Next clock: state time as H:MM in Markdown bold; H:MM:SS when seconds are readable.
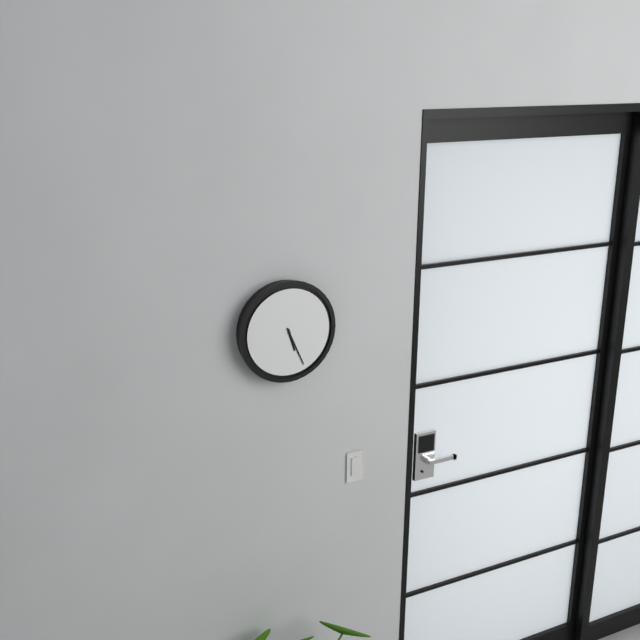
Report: **5:26**
